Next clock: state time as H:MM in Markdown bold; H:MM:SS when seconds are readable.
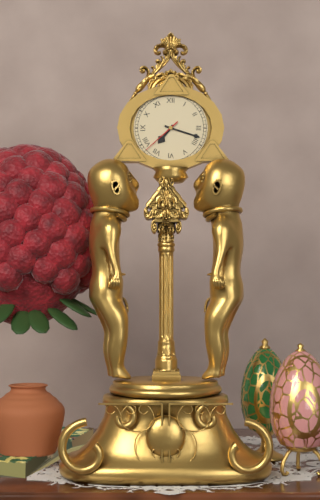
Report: **7:18**
